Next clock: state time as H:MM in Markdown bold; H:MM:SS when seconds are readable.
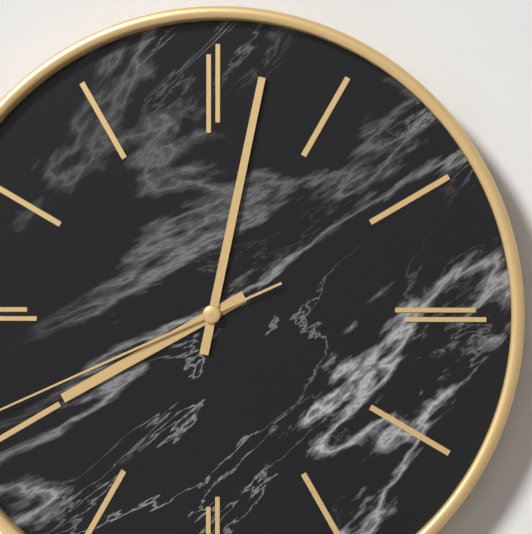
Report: **8:02**
